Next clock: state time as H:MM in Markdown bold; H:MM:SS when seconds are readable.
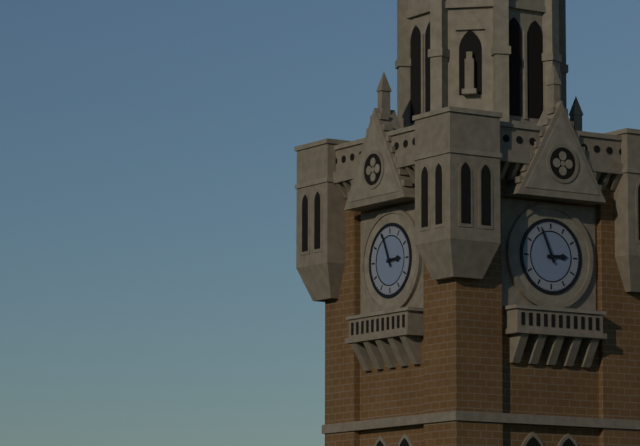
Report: **2:56**
